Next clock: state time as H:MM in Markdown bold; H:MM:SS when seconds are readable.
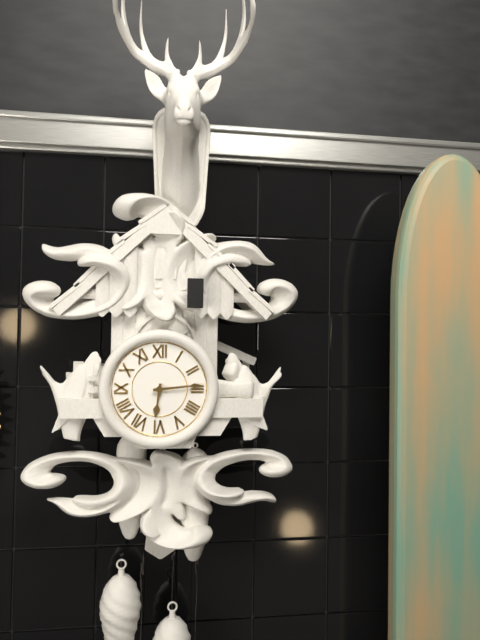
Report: **6:14**
